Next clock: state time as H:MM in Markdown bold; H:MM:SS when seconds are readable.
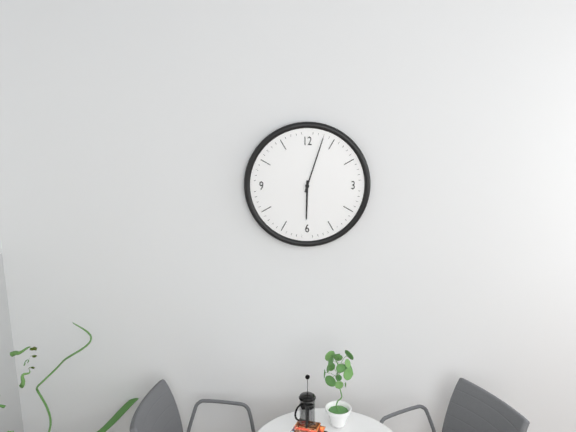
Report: **6:03**
